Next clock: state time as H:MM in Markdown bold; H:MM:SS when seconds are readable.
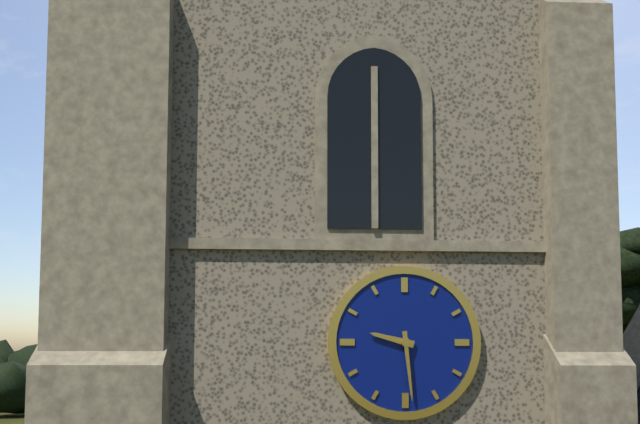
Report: **9:29**
